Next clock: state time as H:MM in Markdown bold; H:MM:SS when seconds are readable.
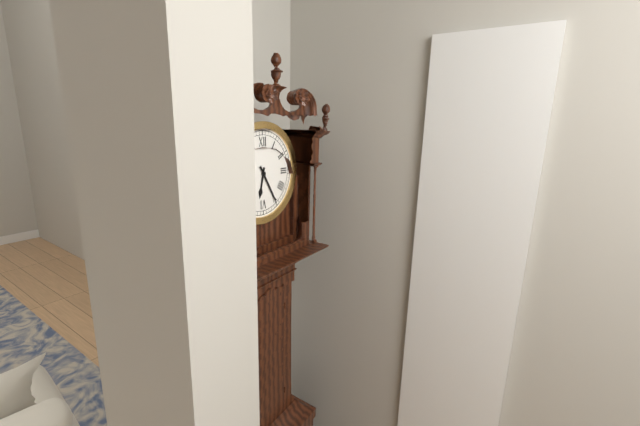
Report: **6:25**
